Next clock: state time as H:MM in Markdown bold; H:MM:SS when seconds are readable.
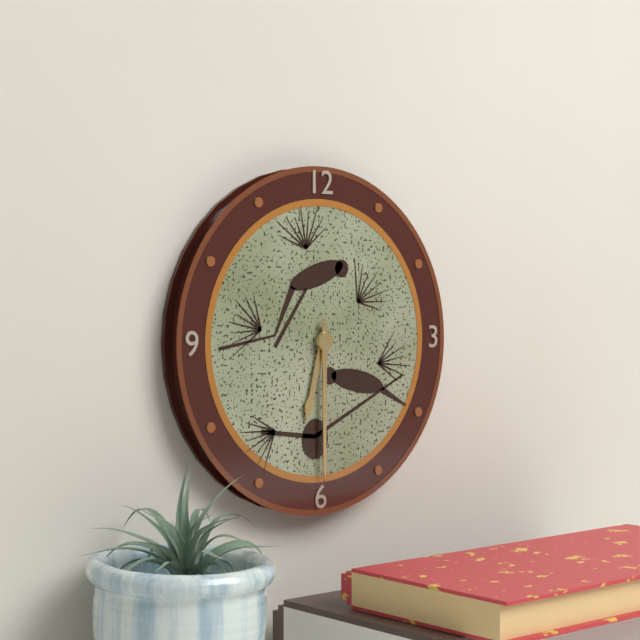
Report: **6:30**
